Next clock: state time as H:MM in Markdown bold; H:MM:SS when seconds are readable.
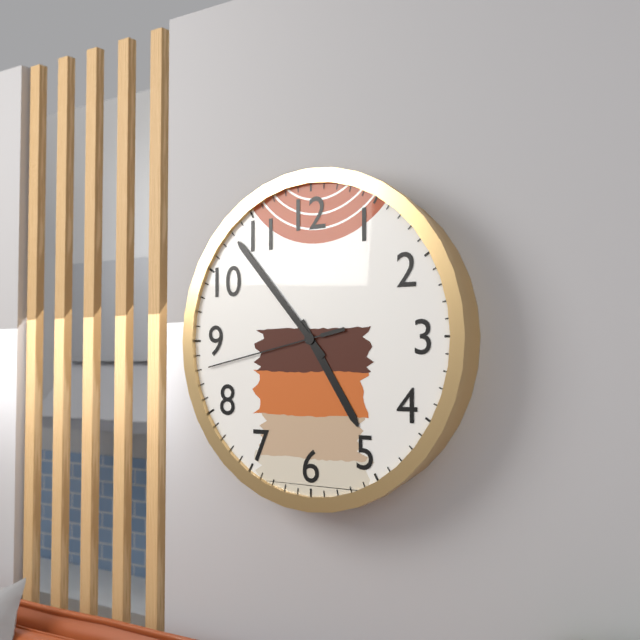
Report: **4:53:43**
